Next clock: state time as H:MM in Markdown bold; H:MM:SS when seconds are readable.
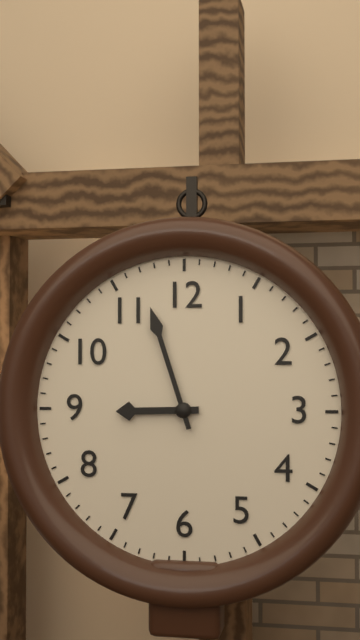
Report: **8:57**
